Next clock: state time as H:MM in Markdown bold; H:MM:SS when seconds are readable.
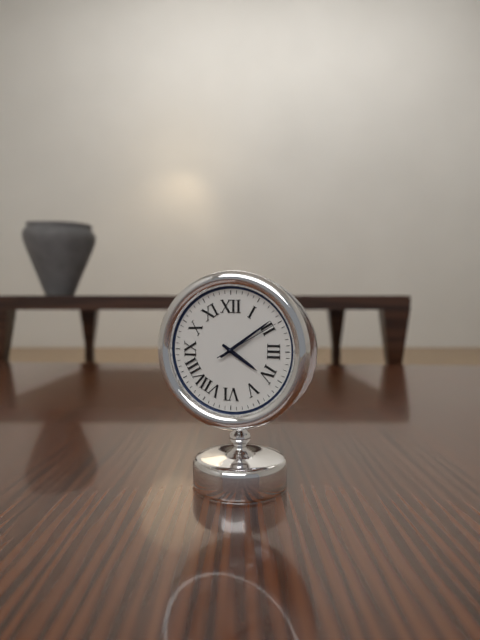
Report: **4:09:10**
